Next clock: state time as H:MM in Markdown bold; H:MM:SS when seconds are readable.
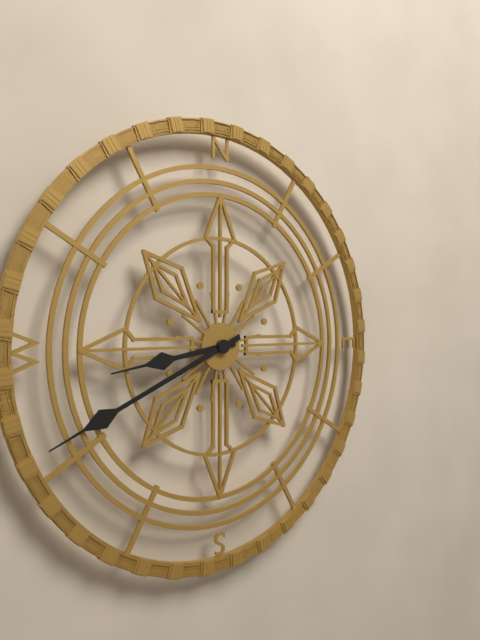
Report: **8:41**
